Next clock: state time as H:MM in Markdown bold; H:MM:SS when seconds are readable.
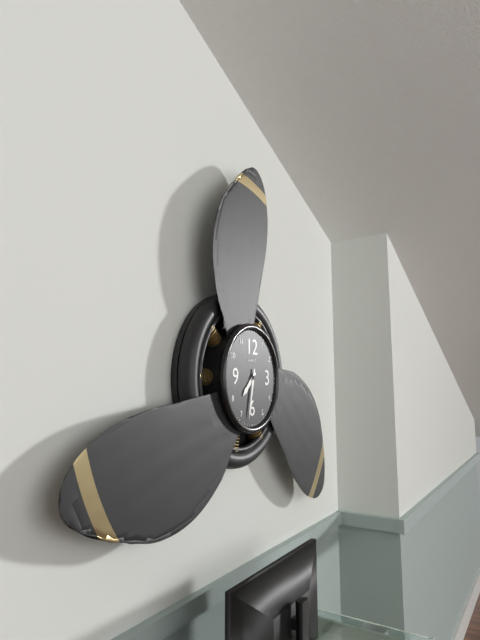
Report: **7:32**
